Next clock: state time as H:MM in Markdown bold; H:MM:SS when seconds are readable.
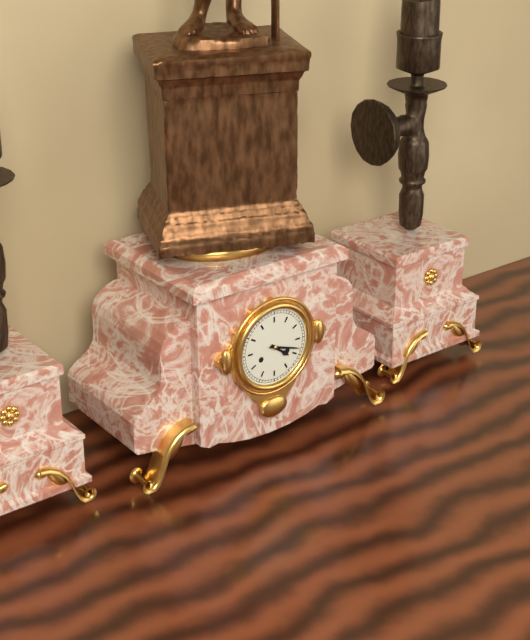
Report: **4:18**
